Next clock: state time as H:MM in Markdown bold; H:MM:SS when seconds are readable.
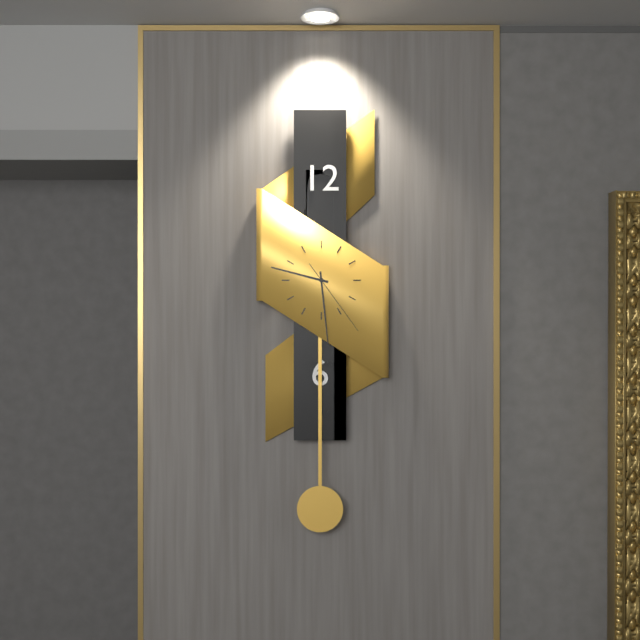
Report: **9:29:24**
